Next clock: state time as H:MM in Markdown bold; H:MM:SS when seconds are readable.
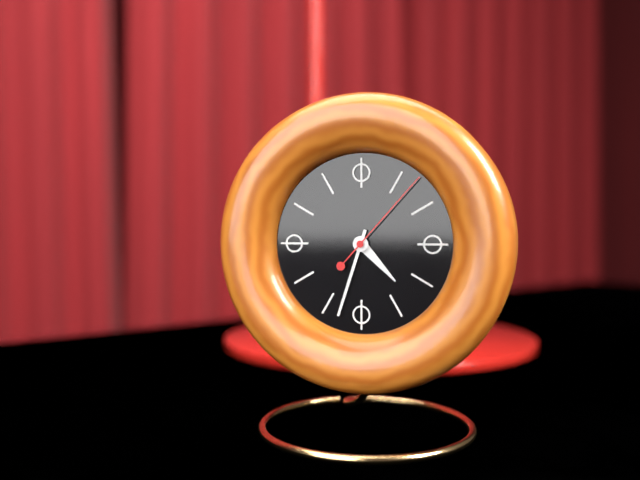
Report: **4:33:07**
